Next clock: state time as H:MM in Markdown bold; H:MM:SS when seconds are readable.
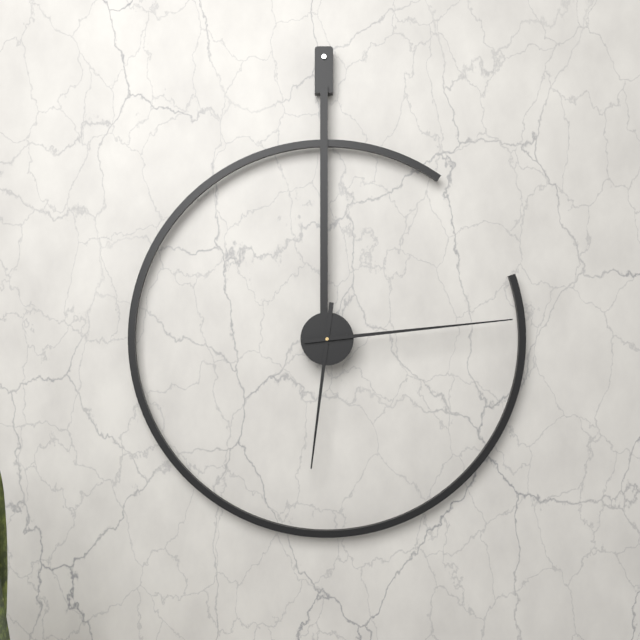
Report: **6:14**
